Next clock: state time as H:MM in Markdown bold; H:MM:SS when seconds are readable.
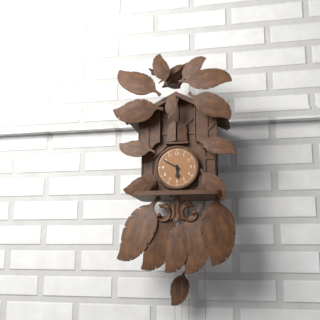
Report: **5:50**
